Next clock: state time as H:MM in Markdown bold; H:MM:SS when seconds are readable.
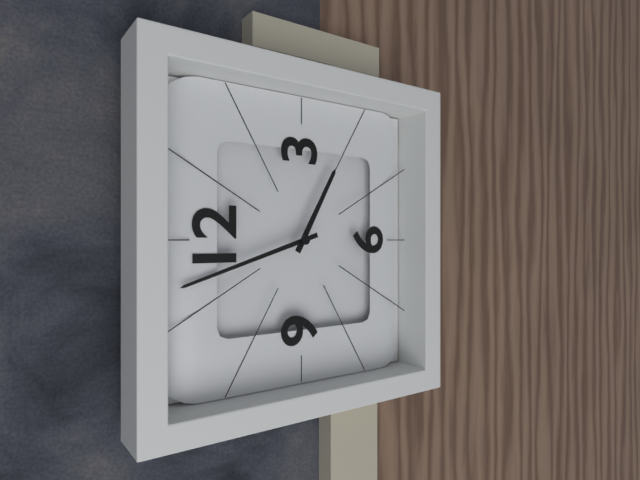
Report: **3:57**
